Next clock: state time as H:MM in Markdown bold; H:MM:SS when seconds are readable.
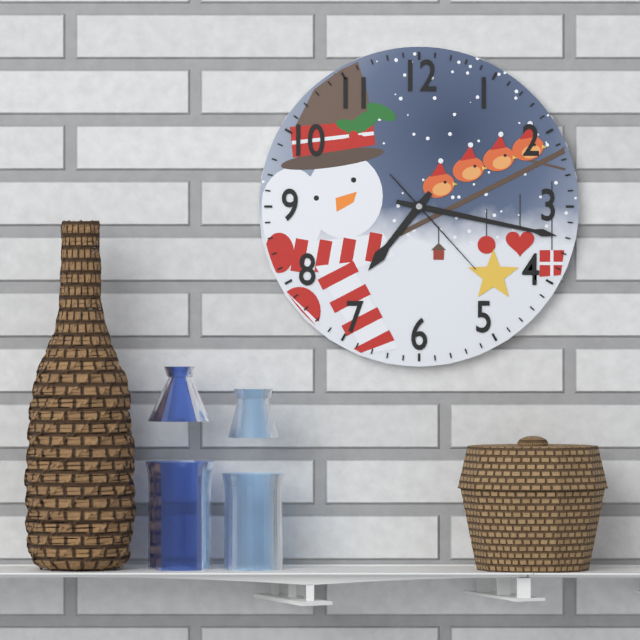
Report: **7:17:23**
